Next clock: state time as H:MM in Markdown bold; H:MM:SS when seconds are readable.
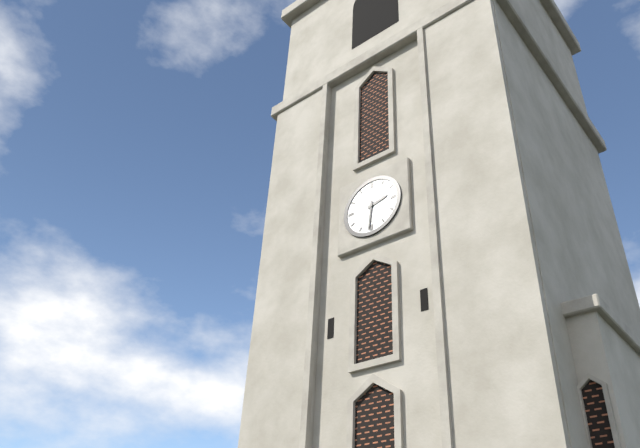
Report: **2:31**
